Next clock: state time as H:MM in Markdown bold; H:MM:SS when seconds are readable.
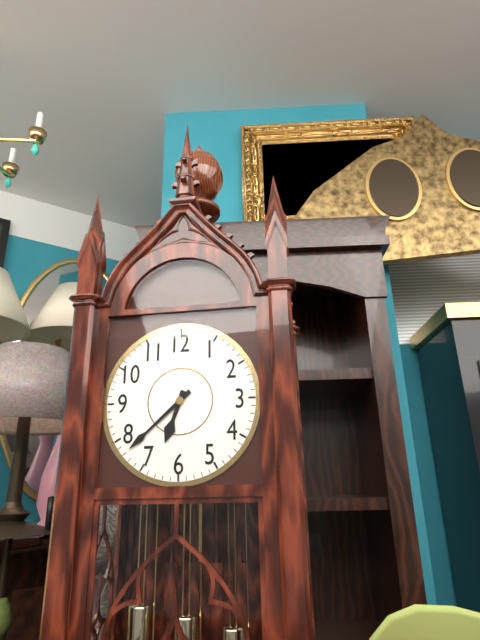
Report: **6:38**
